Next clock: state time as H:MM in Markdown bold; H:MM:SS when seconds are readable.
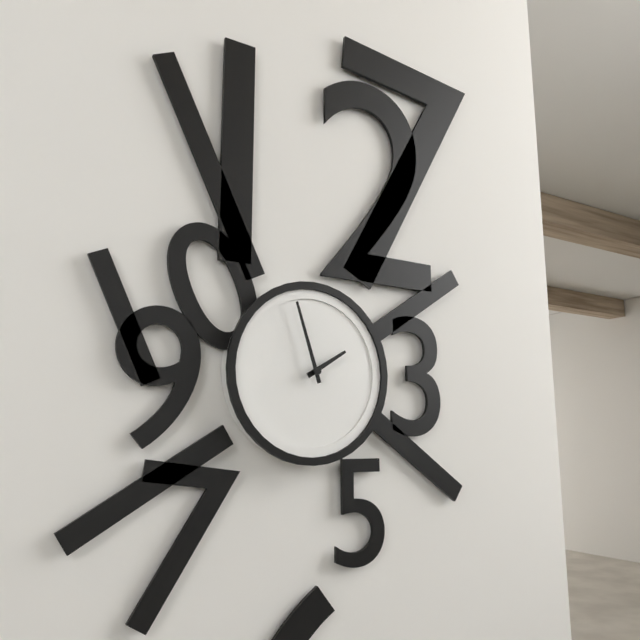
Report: **1:57**
